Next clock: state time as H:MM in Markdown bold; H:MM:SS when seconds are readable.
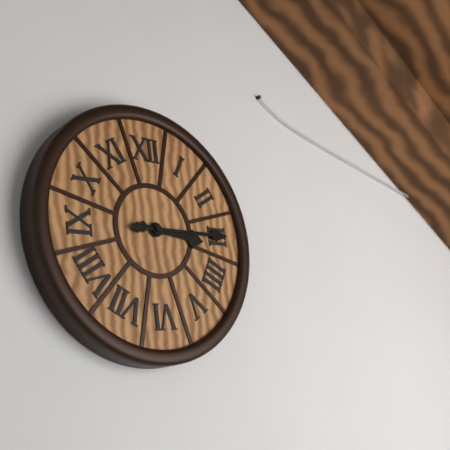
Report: **3:15**
